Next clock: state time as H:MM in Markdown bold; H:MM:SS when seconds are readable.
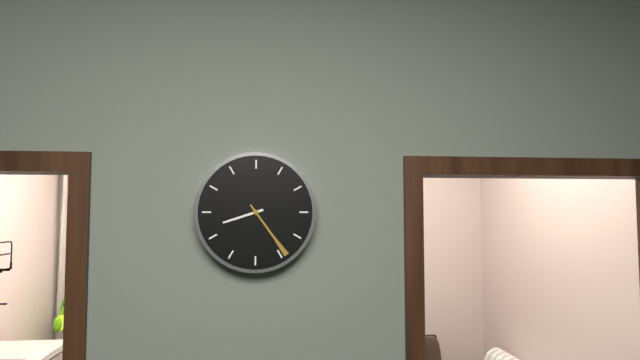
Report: **8:24**
